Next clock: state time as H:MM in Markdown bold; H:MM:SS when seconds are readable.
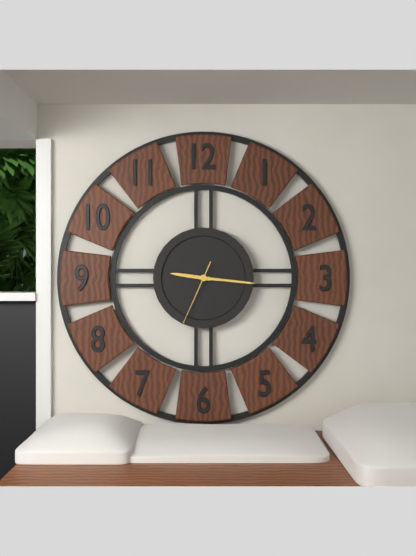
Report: **9:16:34**
